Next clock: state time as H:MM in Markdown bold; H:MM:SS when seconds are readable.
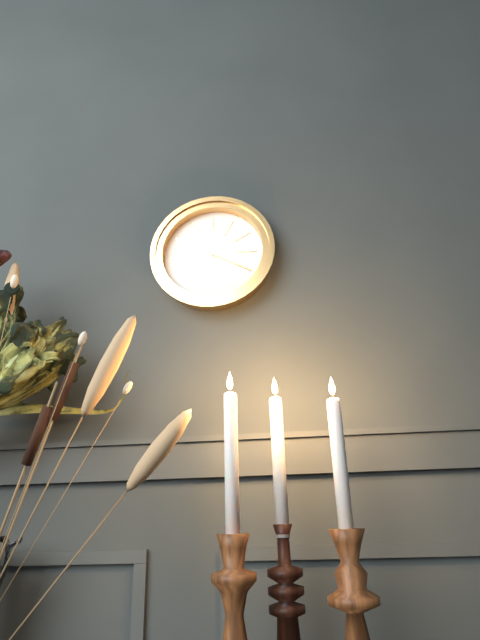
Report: **10:20**
